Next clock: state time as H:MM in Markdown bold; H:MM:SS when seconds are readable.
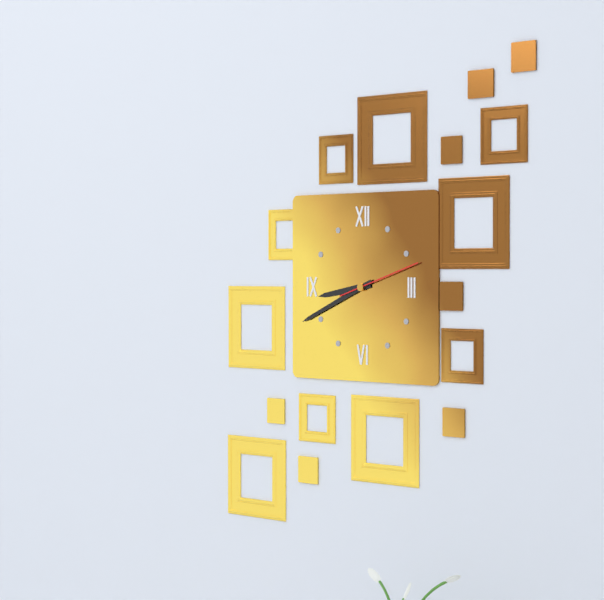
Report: **8:41:12**
